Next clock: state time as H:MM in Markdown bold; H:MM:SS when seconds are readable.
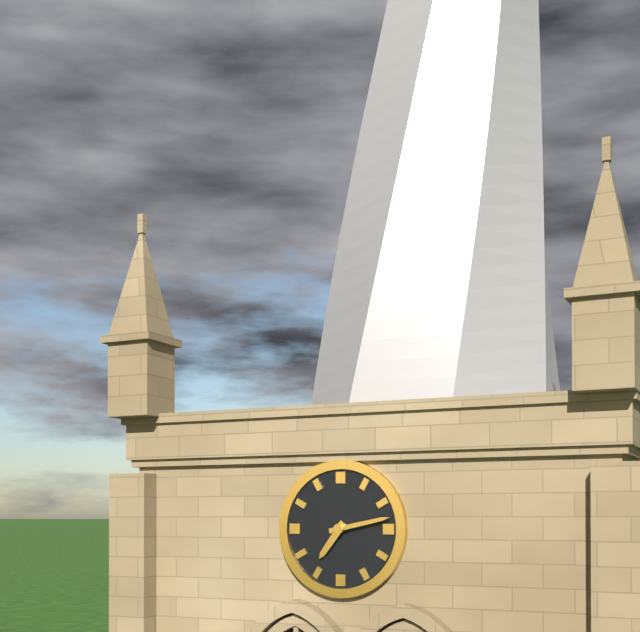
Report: **7:13**
